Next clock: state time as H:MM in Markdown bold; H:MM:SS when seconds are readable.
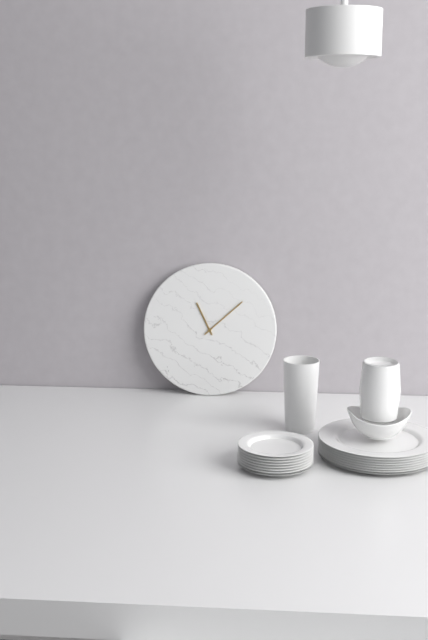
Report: **11:08**
